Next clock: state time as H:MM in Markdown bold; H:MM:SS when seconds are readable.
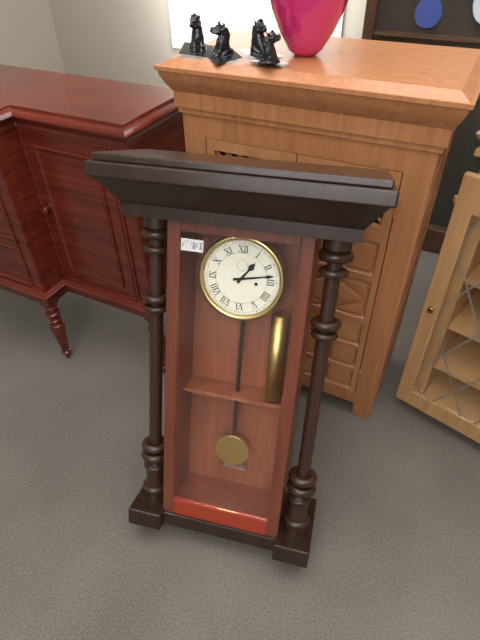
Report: **1:13**
